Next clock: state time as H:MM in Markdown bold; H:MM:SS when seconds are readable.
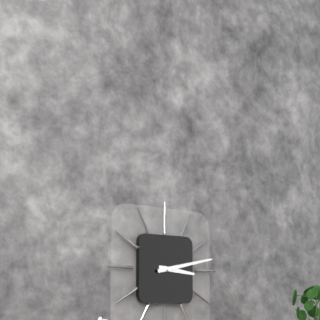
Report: **3:13**
